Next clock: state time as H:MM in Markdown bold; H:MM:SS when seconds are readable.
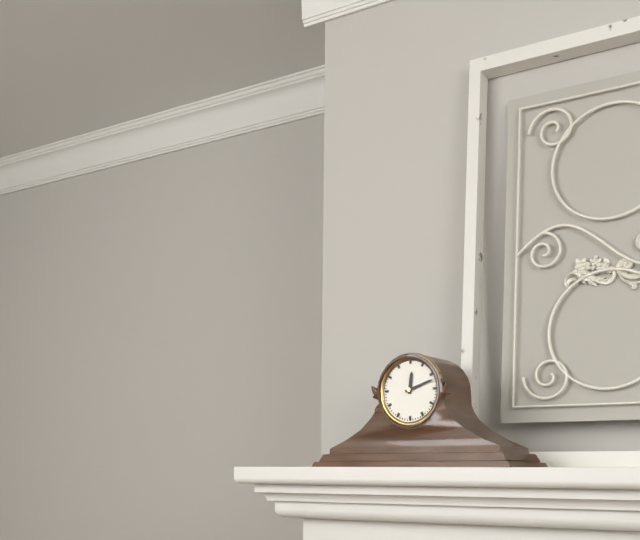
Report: **12:12**
